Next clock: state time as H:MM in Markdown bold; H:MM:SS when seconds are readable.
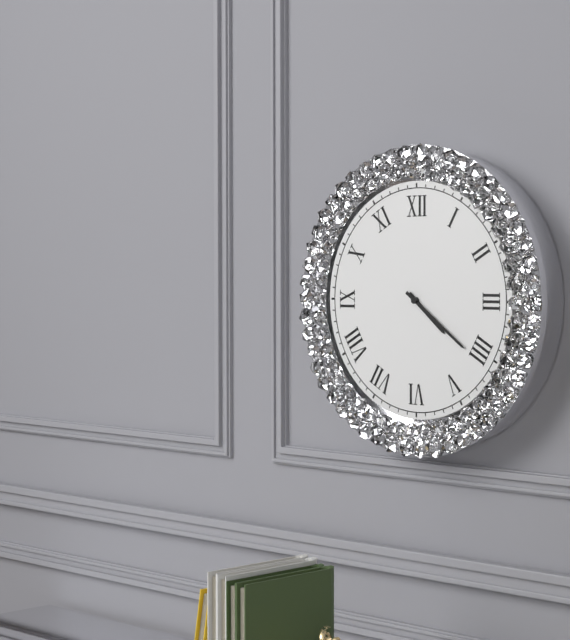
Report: **4:21**
